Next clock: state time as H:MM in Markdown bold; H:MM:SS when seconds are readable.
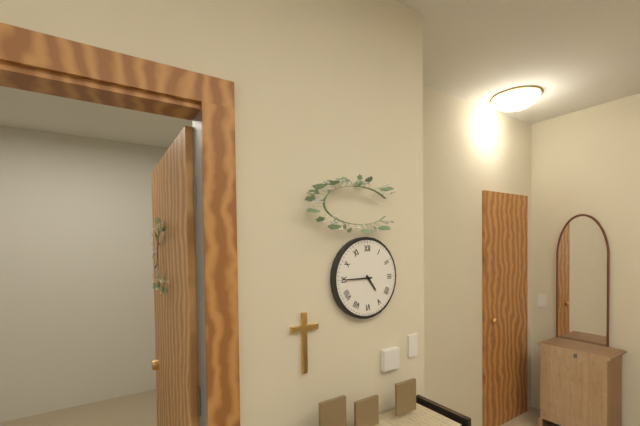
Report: **4:45**
